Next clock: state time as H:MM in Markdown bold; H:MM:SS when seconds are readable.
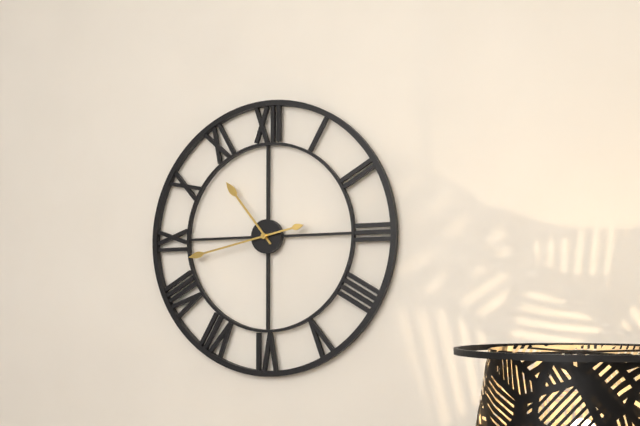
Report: **10:43**
